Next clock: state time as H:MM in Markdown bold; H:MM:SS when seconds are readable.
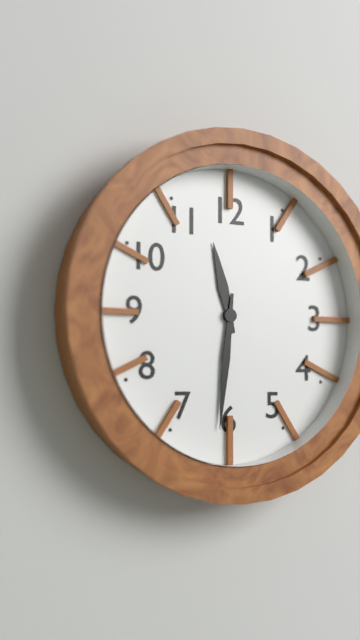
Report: **11:31**
